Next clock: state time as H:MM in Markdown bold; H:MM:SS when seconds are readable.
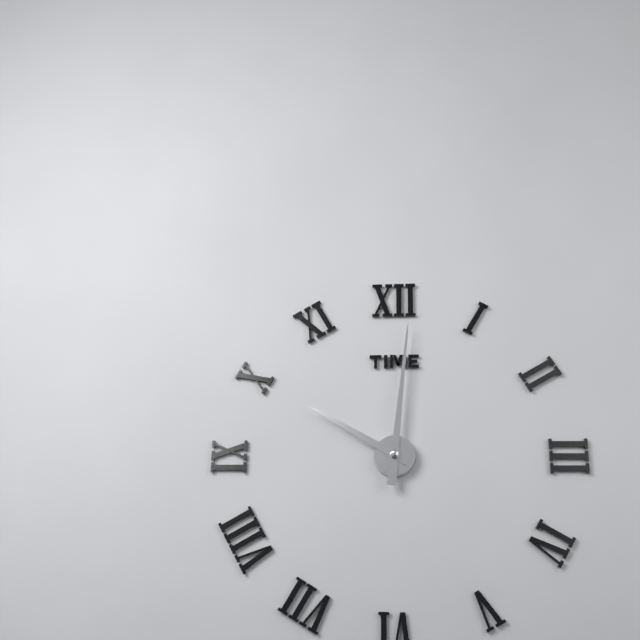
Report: **10:01**
